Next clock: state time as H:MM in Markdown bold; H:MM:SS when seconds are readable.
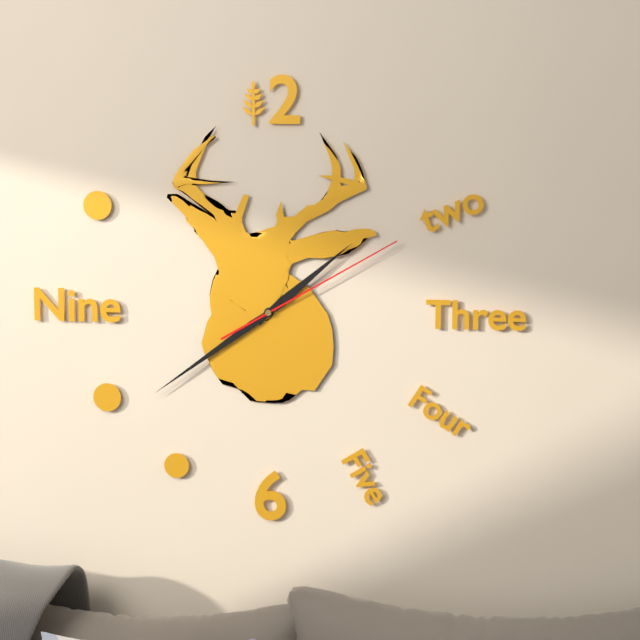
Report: **1:39:10**
